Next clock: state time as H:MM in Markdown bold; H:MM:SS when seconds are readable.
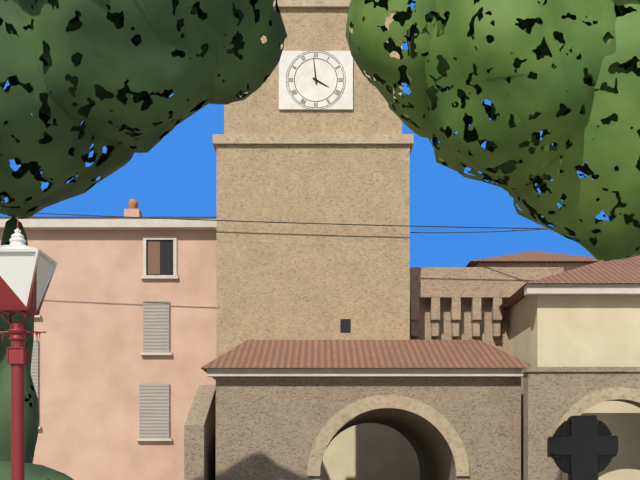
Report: **3:59**
